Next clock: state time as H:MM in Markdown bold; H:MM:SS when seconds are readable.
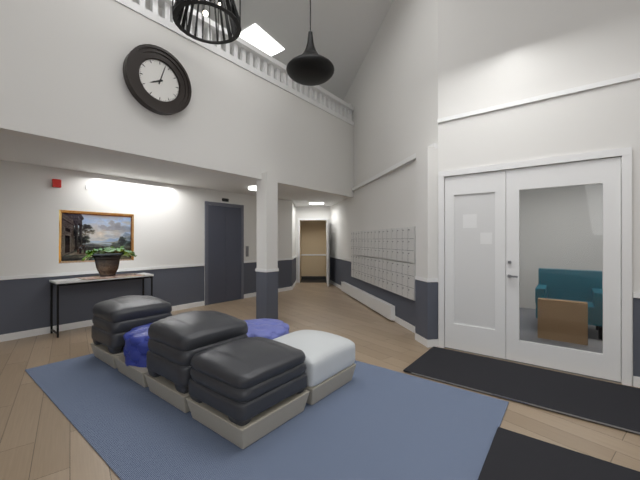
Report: **8:03**
